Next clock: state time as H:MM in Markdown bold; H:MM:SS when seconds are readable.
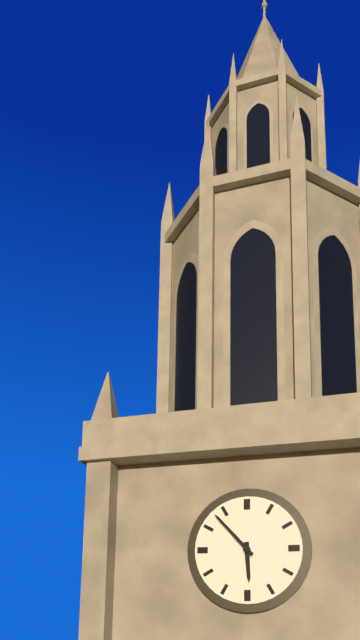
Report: **5:53**
